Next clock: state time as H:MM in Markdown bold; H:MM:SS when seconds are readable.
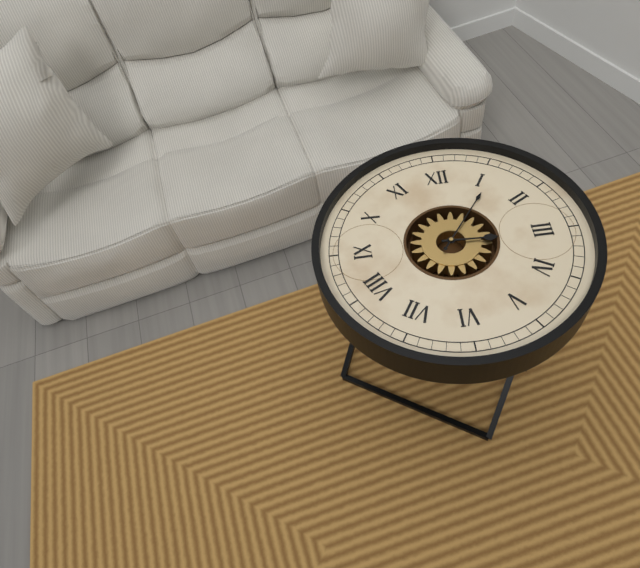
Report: **3:06**
